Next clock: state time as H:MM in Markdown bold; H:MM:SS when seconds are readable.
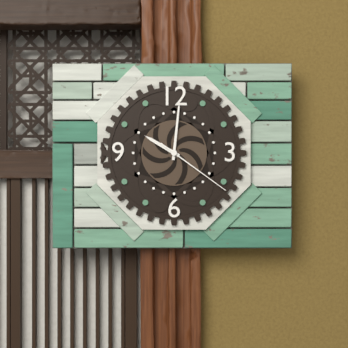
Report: **10:01:21**
